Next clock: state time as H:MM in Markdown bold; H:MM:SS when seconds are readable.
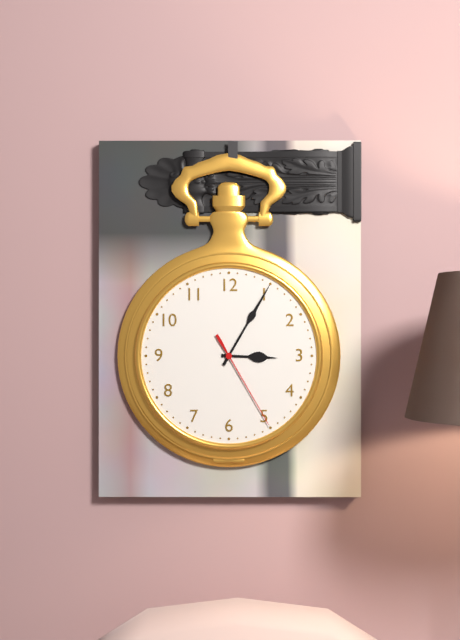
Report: **3:05:25**
